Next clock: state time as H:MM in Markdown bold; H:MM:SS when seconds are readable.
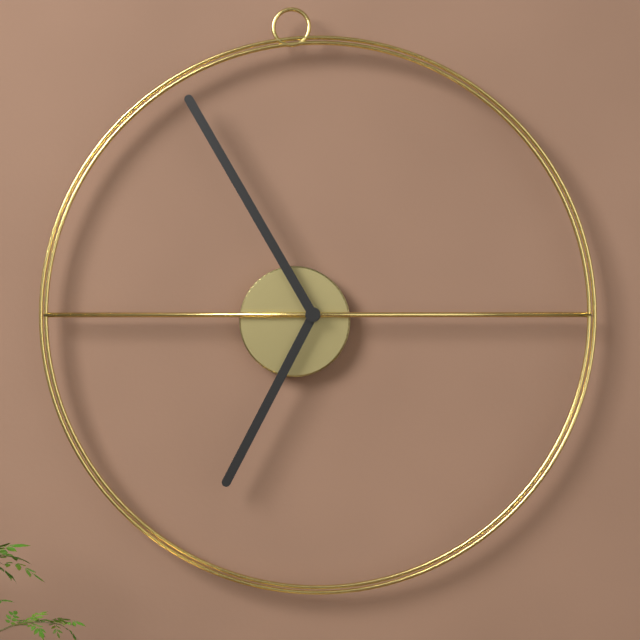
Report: **6:55**
